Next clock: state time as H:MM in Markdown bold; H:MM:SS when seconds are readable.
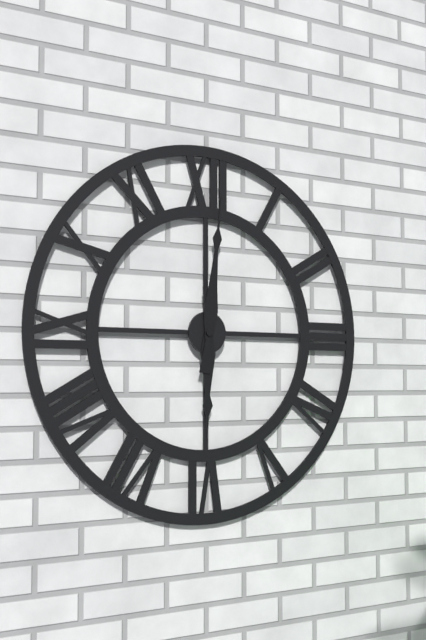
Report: **6:01**
